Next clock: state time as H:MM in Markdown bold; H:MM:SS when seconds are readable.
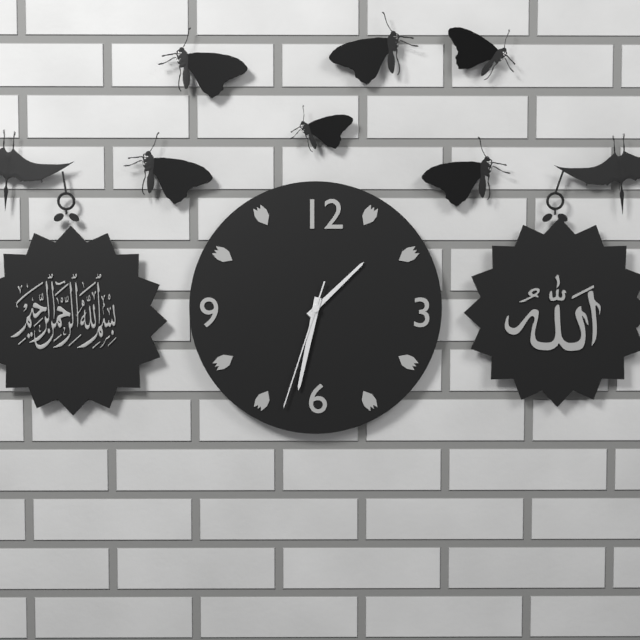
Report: **1:32:33**
